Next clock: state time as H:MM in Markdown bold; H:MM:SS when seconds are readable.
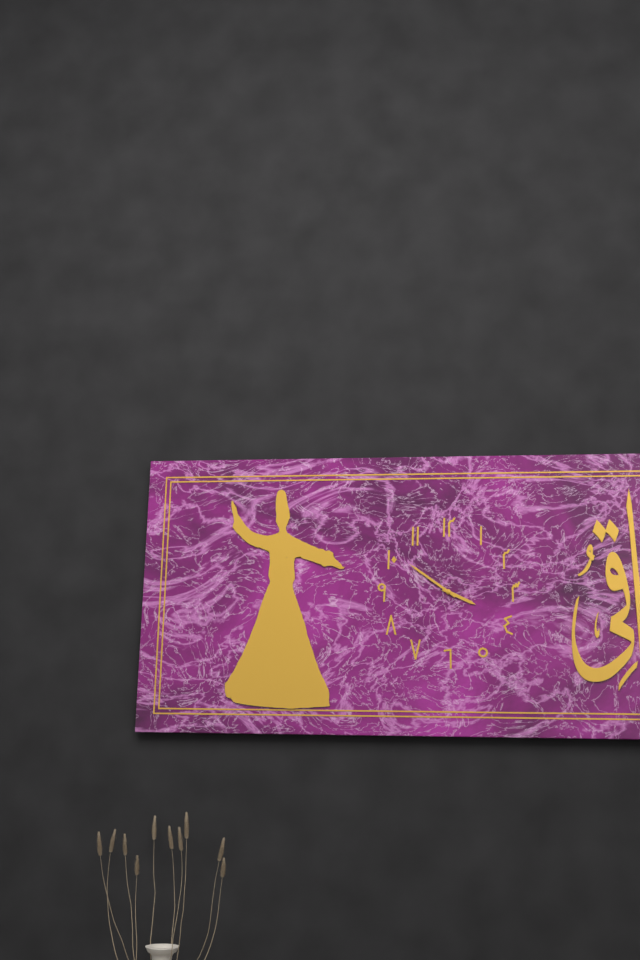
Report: **3:51**
